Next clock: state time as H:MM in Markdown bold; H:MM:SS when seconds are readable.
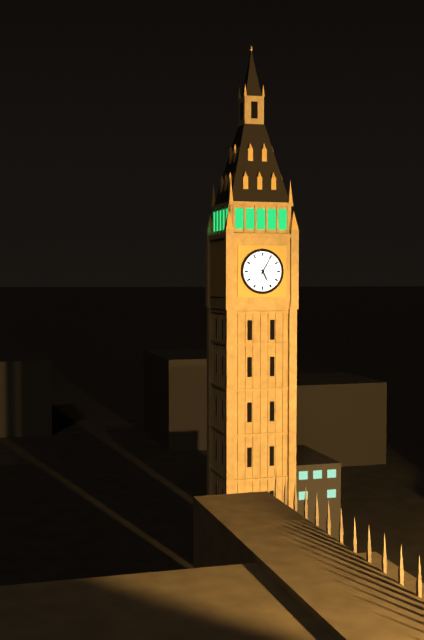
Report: **5:05**
